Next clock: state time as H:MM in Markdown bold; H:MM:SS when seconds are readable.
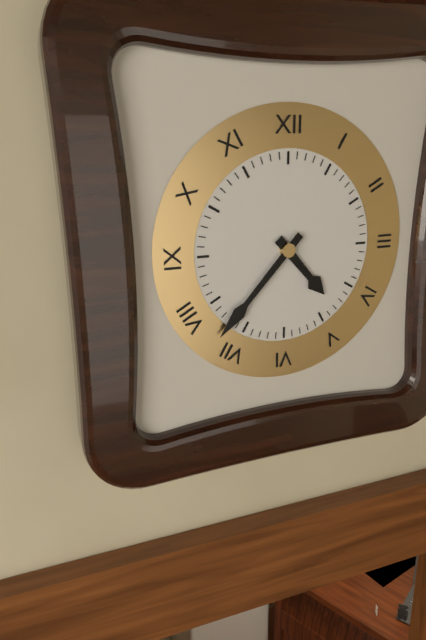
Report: **4:37**
